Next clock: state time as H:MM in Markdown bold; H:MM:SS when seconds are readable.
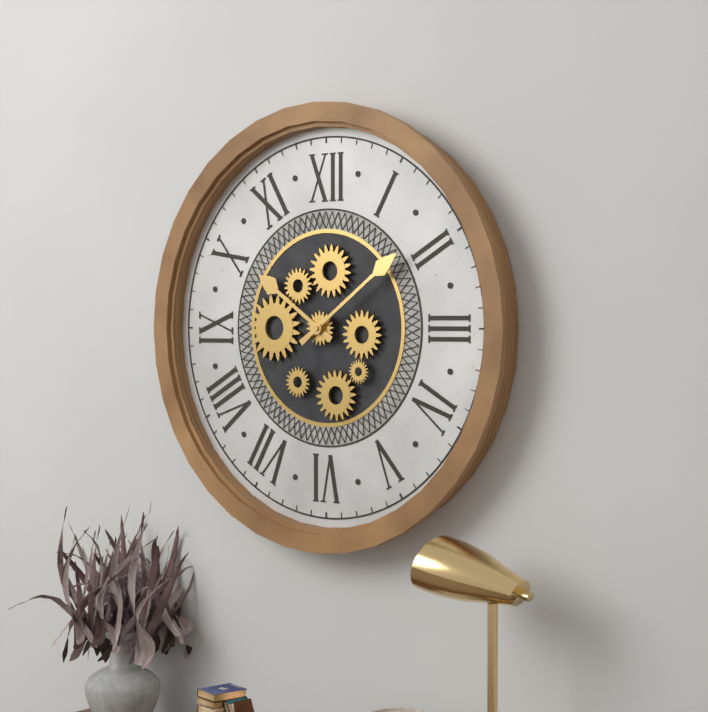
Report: **10:09**
